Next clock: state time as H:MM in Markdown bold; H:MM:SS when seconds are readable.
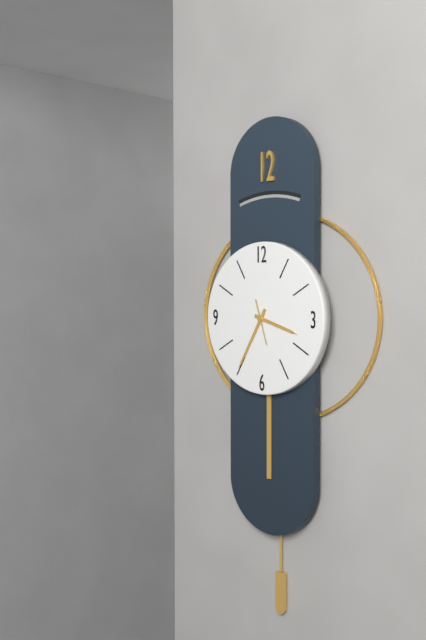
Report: **3:35**
